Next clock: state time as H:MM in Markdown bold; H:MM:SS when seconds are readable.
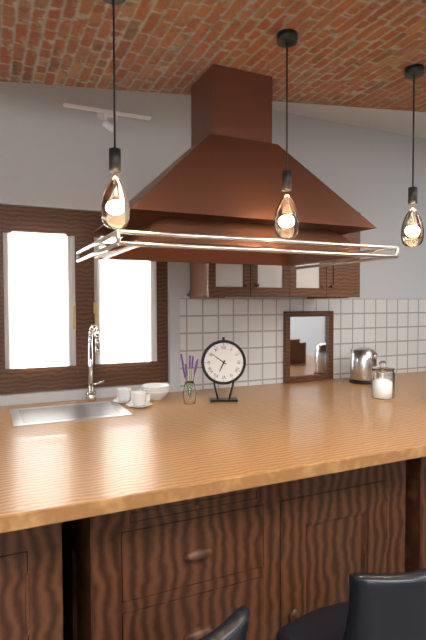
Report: **6:51**
